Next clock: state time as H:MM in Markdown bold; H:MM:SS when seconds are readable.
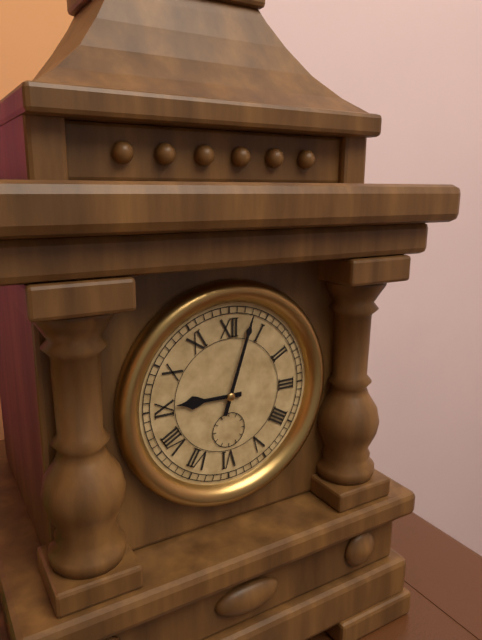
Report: **9:03**
